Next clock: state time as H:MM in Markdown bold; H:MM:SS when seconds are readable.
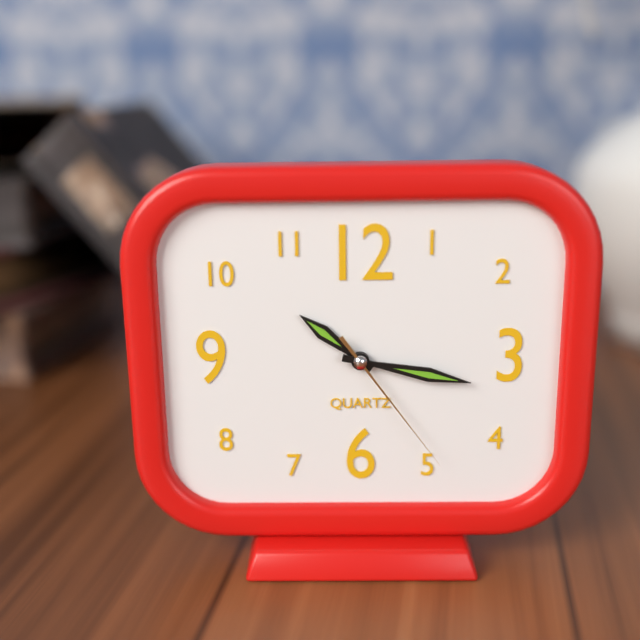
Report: **10:17:24**
